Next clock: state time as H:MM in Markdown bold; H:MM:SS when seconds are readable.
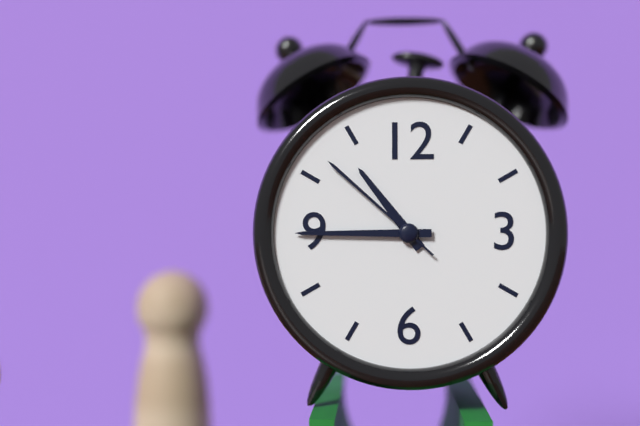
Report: **10:45:52**
